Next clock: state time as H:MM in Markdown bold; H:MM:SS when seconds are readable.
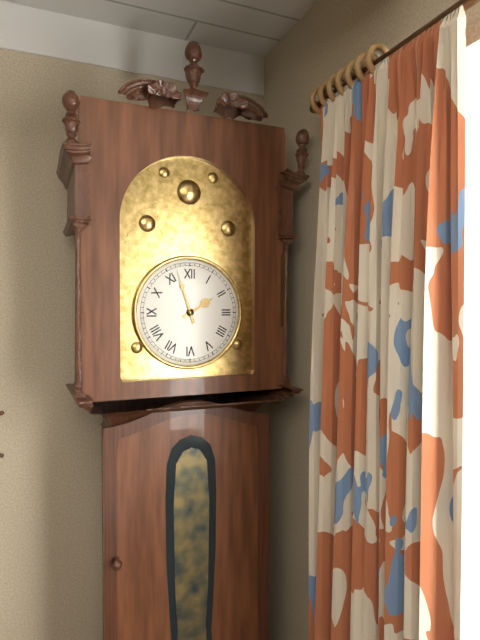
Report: **1:57**
